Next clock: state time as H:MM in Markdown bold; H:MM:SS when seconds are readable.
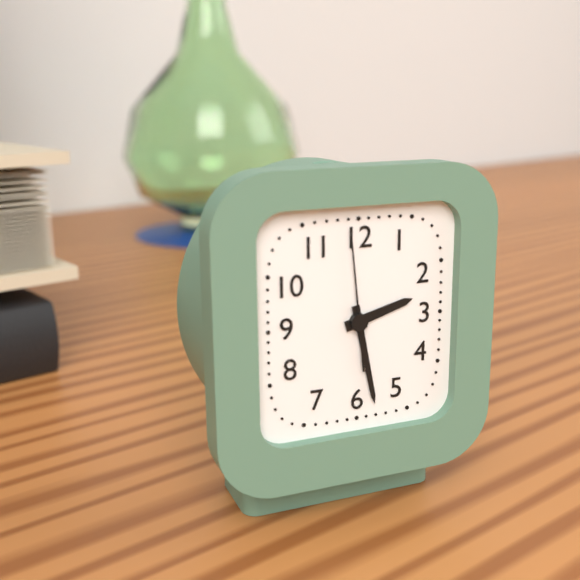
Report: **2:28:59**
